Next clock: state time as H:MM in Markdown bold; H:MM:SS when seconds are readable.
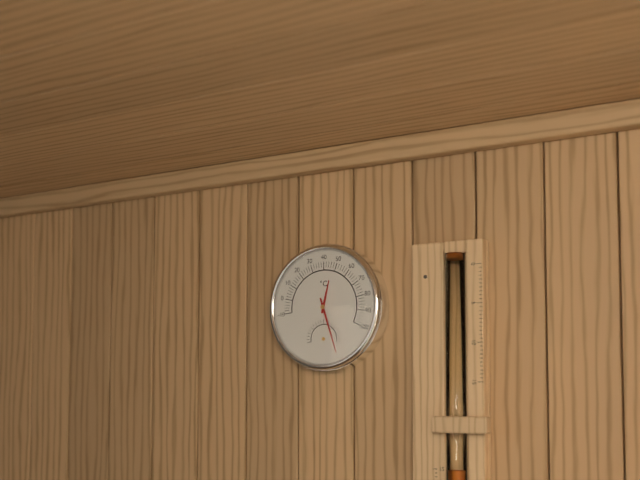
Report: **12:27**
